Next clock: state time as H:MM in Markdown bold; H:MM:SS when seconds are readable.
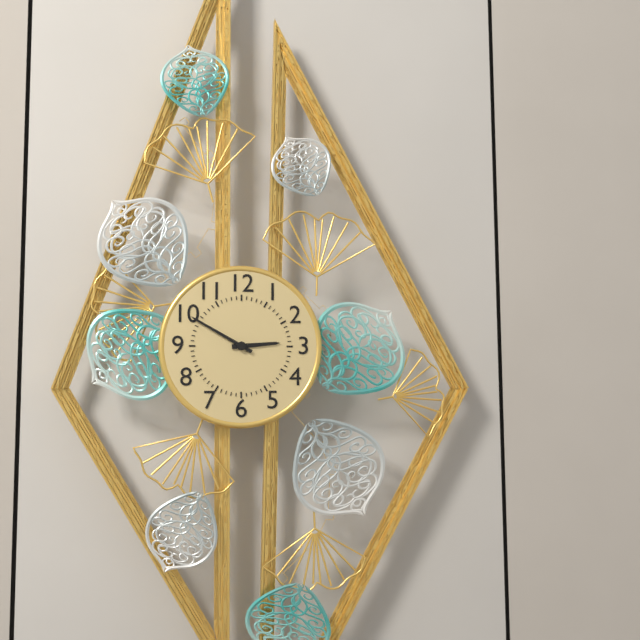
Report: **2:50**
